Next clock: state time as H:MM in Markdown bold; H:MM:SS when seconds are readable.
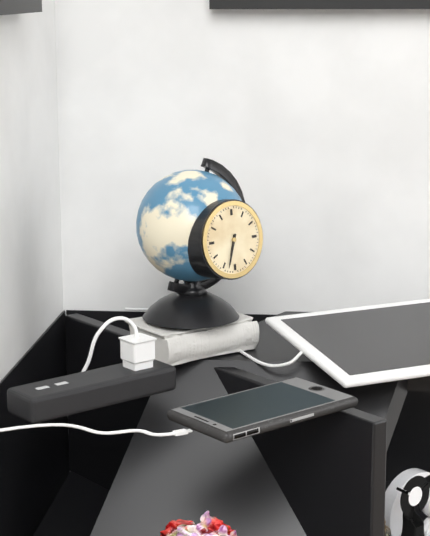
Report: **6:33**
